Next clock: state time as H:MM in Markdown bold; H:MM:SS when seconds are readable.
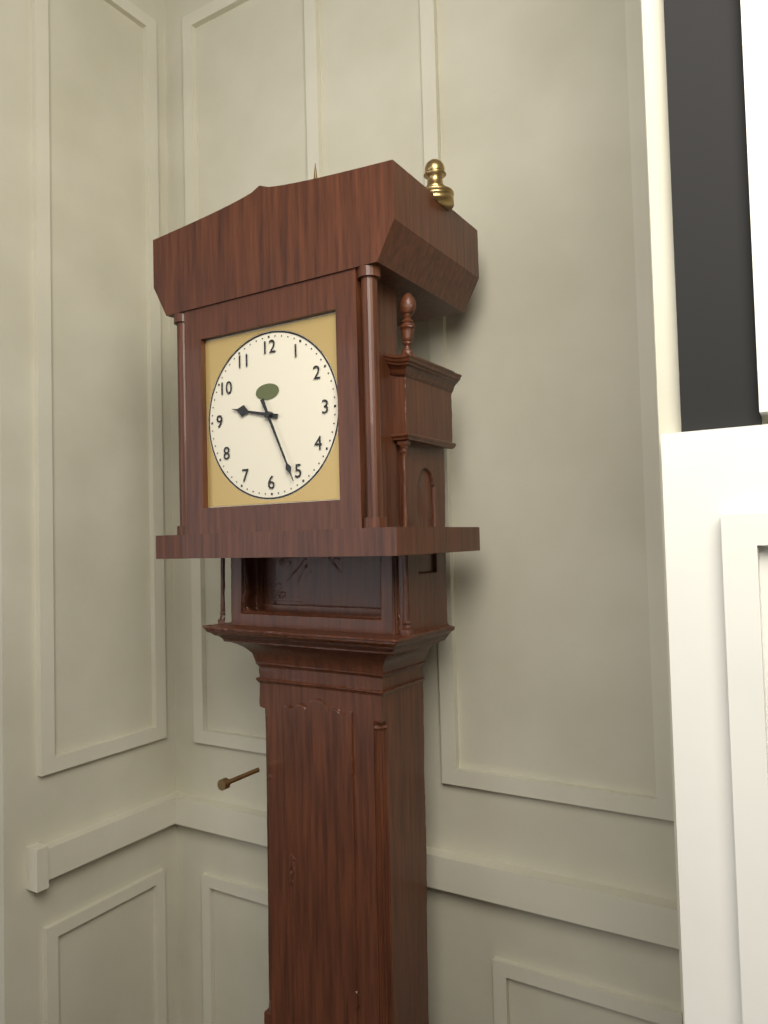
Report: **9:26**
